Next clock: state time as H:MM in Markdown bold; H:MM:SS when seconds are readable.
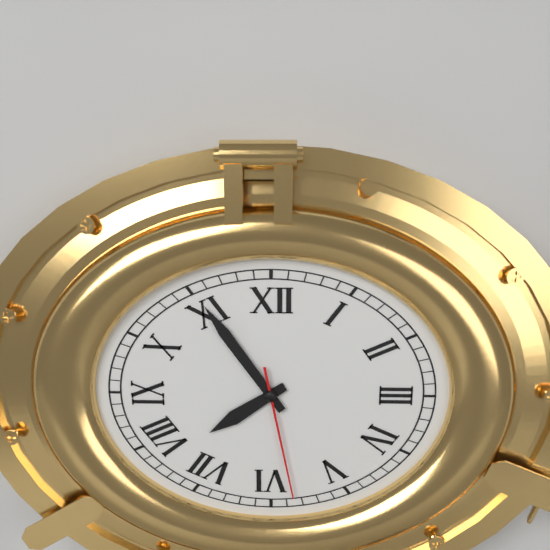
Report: **7:54:28**
